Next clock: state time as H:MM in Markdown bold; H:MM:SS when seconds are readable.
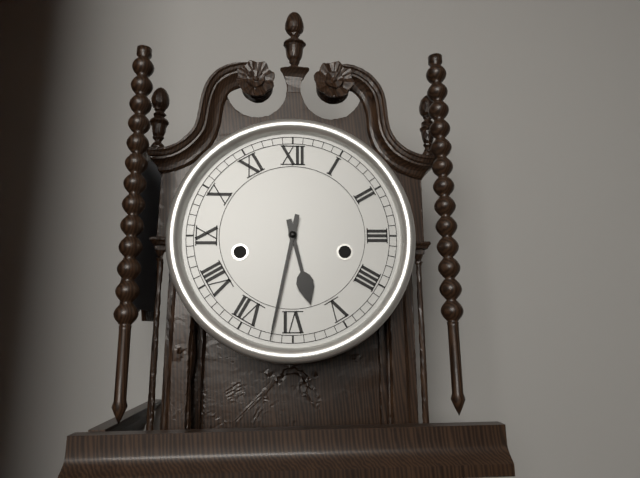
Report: **5:32**
